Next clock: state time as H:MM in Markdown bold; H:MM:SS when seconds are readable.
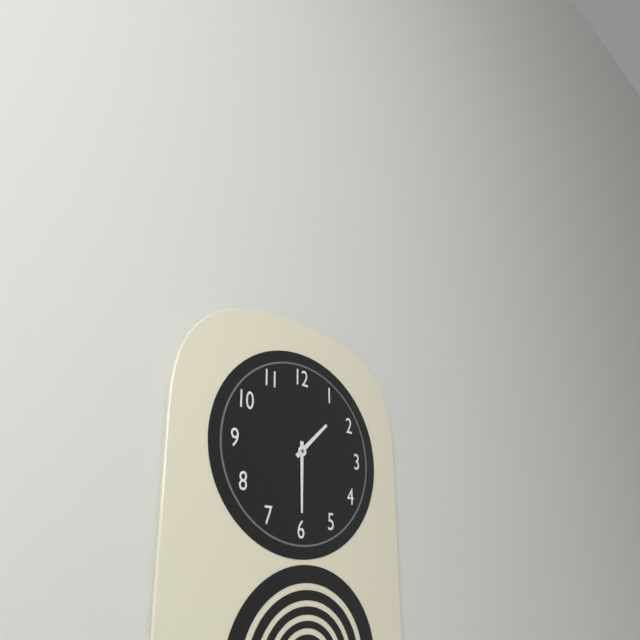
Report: **1:30**
